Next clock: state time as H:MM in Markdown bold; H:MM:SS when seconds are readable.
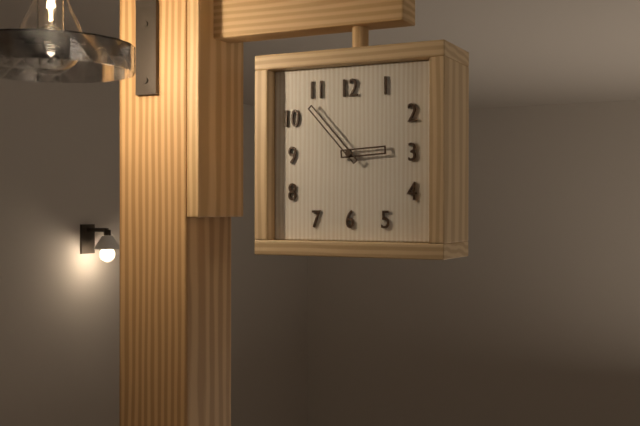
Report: **2:53**
